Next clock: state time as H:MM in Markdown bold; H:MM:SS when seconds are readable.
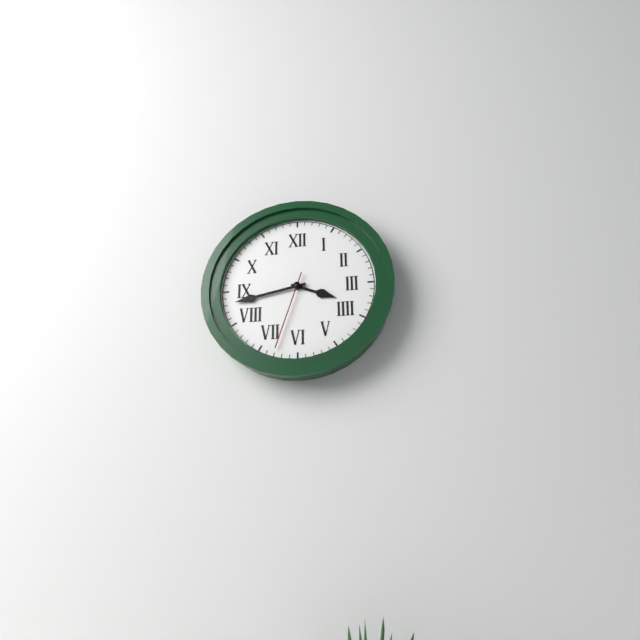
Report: **3:43:33**
